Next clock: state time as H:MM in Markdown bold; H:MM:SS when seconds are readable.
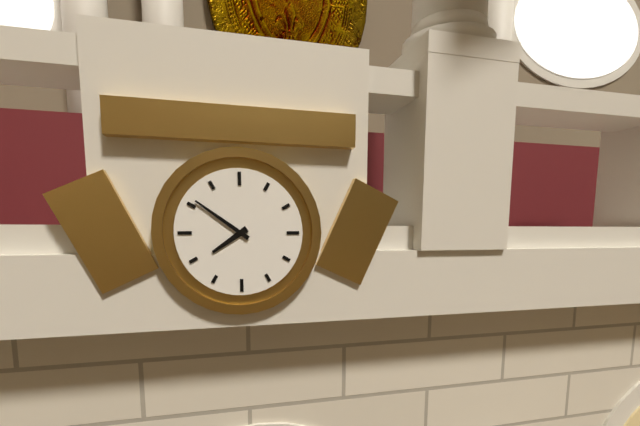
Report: **7:51**
